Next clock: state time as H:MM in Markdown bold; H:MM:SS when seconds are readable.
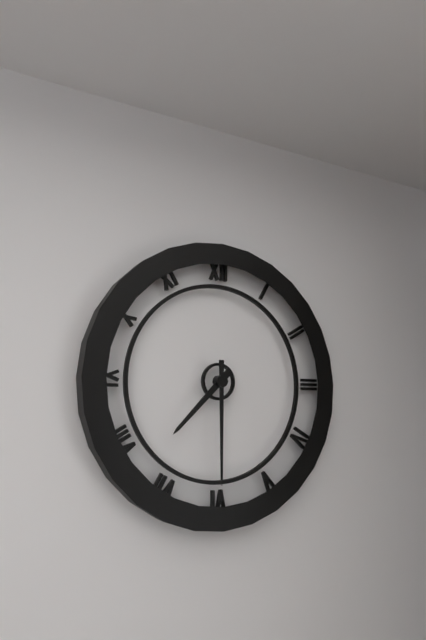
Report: **7:30**
